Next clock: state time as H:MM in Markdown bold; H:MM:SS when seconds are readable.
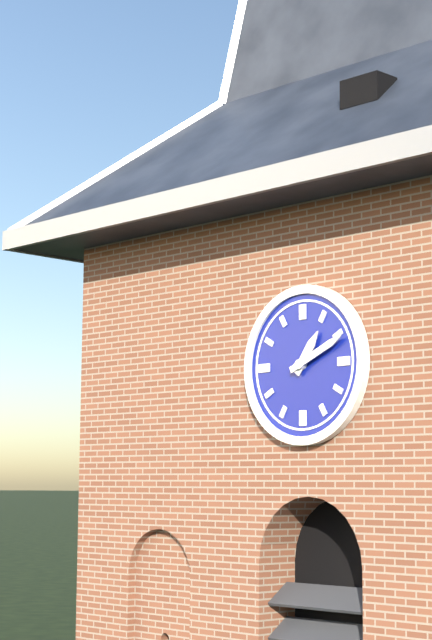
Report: **1:11**
